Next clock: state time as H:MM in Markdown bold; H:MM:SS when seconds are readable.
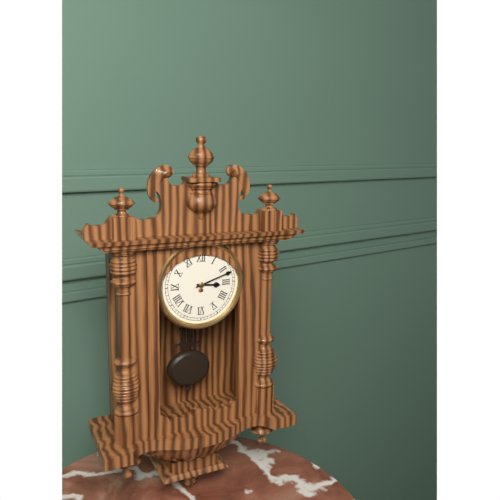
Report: **3:12**
